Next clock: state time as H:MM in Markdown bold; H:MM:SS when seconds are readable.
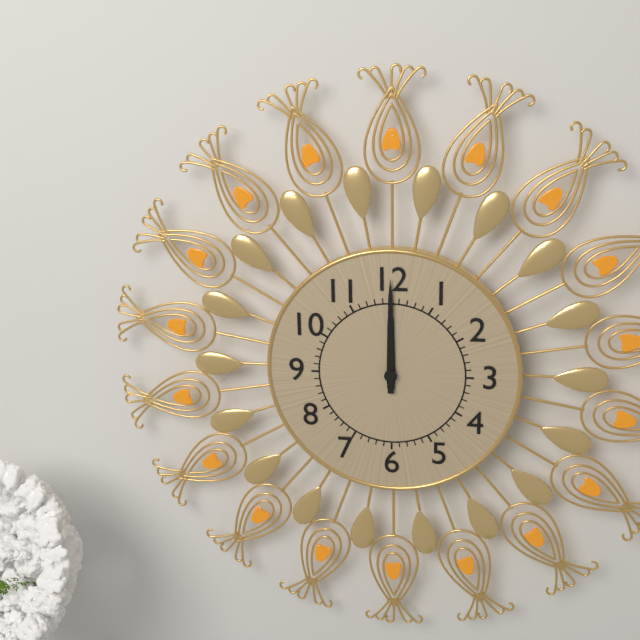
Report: **12:00**
